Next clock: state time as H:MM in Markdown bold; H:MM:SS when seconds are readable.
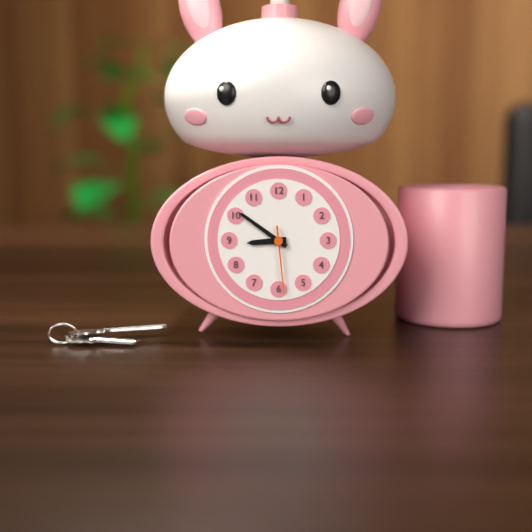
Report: **8:51:29**
